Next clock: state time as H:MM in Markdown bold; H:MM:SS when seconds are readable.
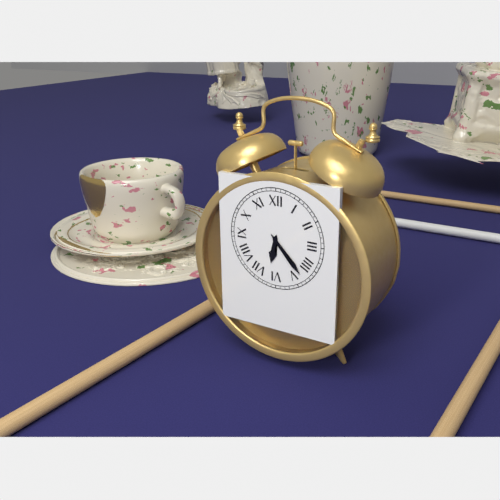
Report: **6:23**
